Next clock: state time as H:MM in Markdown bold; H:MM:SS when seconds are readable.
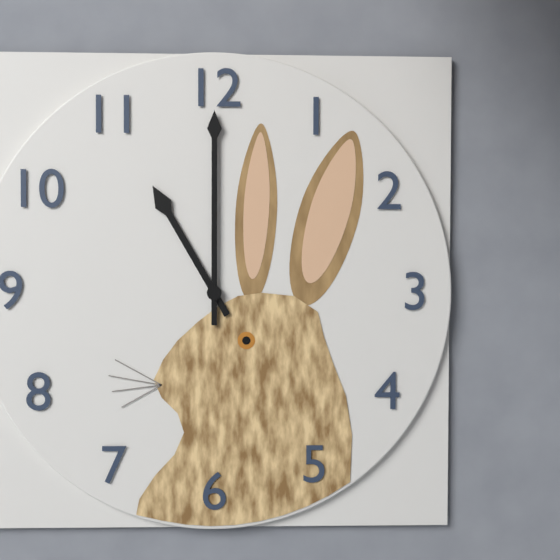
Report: **11:00**
